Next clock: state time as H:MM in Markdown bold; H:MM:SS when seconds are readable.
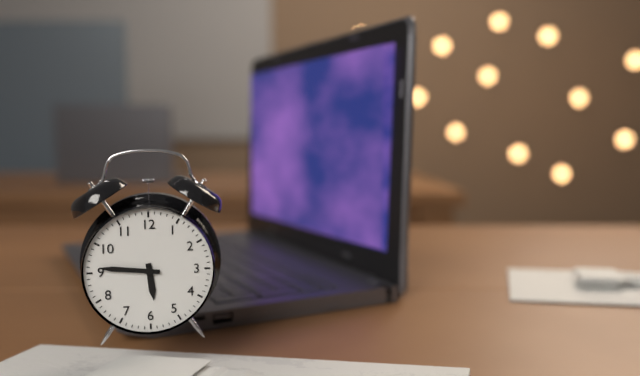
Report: **5:46**
